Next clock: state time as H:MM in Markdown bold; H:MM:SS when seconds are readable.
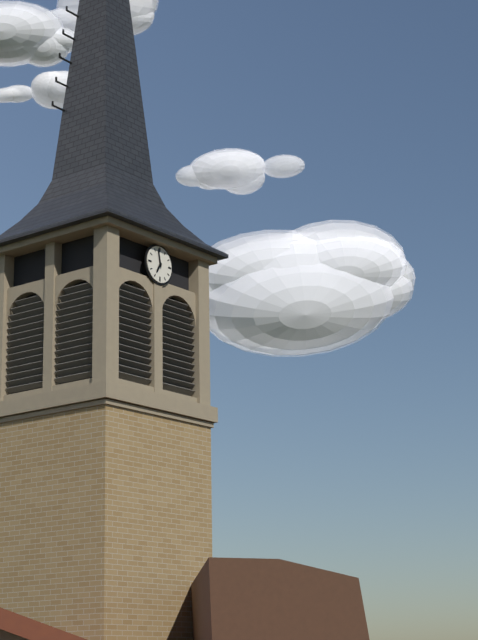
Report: **6:58**
